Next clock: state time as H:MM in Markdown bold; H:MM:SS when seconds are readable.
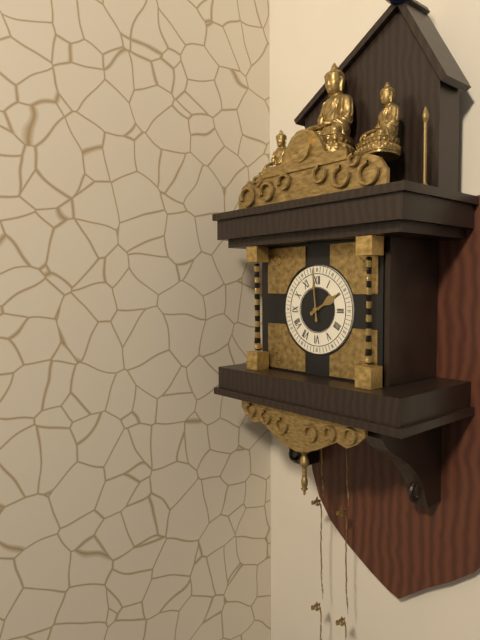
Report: **1:59**
